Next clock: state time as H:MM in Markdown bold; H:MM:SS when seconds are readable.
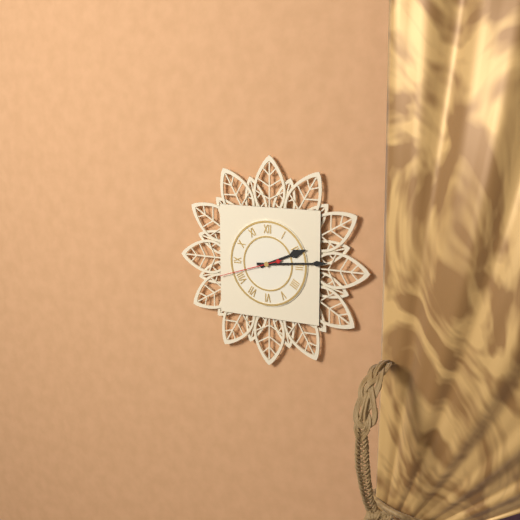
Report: **2:14:42**
